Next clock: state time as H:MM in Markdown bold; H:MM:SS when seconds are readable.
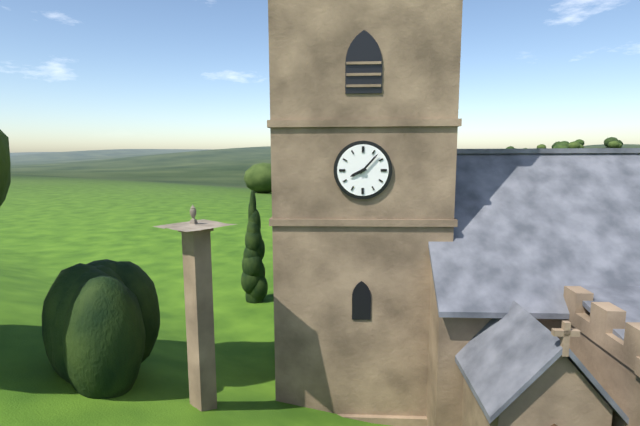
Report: **8:07**
